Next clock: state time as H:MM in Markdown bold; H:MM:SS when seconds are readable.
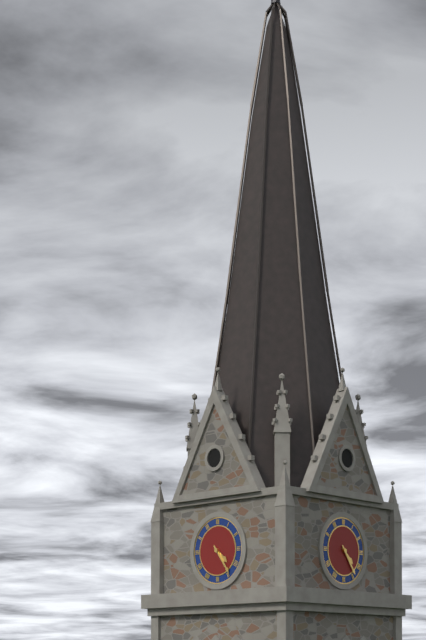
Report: **4:24**
